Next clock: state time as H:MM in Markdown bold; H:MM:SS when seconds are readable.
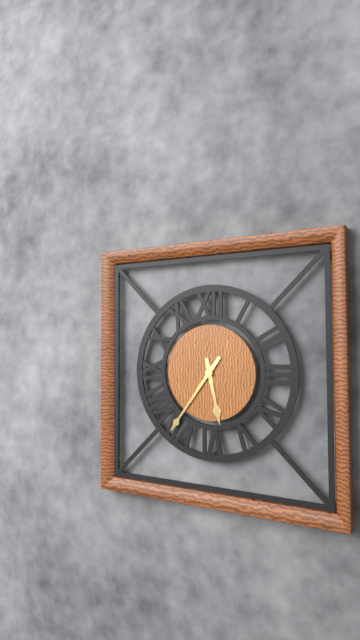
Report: **5:36**
